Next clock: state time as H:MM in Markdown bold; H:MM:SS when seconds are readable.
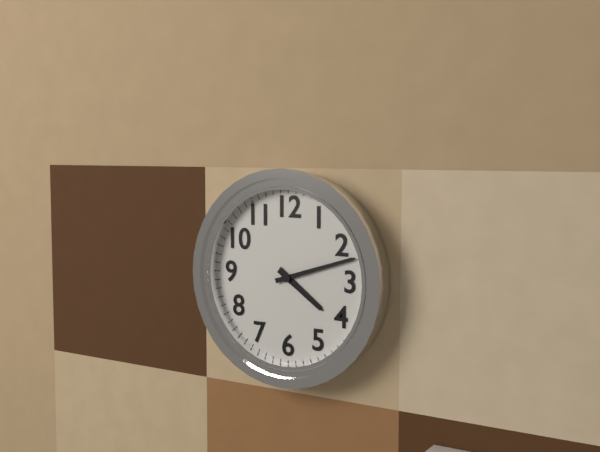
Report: **4:12**
